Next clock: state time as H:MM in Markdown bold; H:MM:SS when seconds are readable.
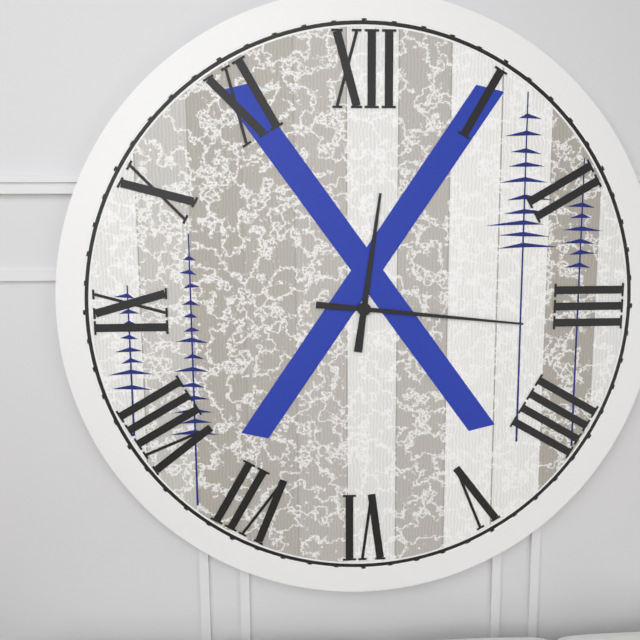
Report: **12:16**
